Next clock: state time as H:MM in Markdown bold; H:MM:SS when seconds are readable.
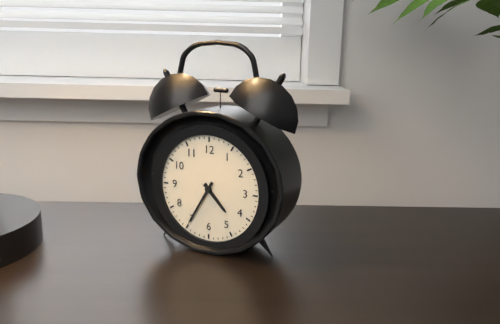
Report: **4:35**
